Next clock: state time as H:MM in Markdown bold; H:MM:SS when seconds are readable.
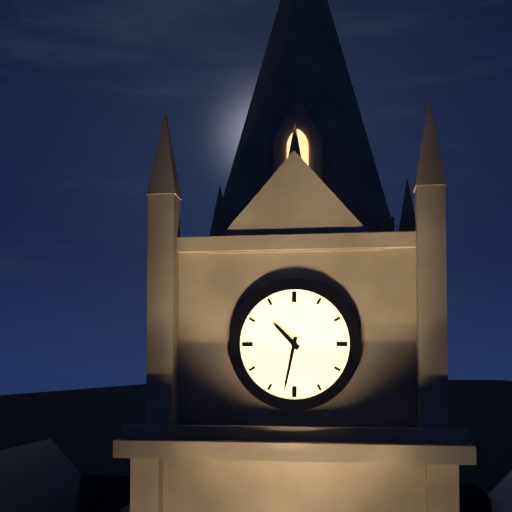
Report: **10:32**
